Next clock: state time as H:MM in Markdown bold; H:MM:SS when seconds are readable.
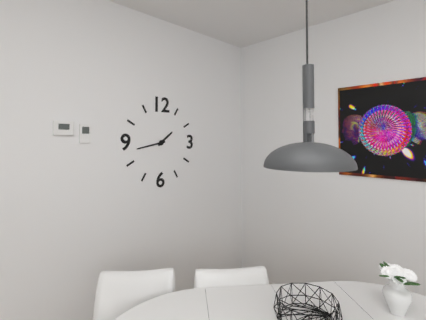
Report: **1:43**
